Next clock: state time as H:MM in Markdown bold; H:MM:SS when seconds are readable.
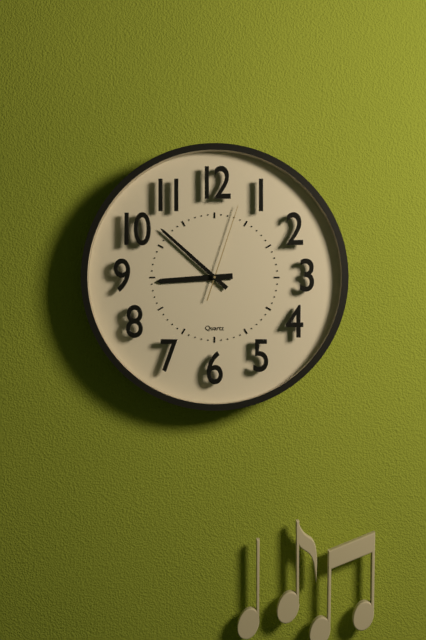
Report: **8:52:03**
